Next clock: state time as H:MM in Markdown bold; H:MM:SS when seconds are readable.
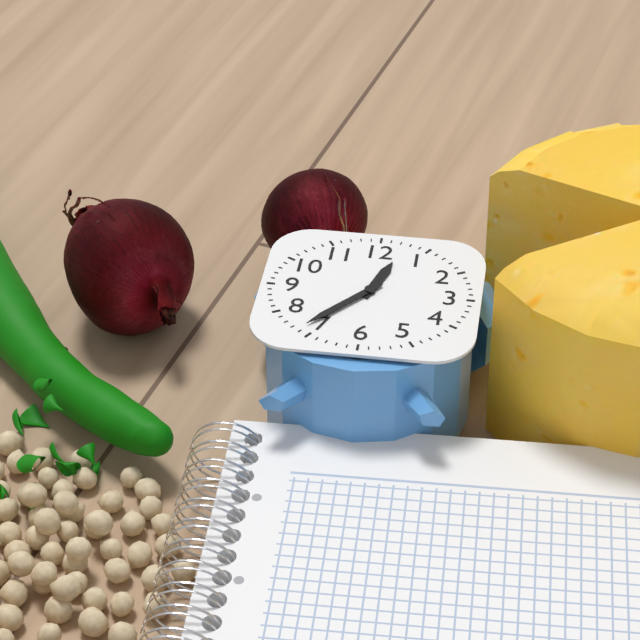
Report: **12:37**
